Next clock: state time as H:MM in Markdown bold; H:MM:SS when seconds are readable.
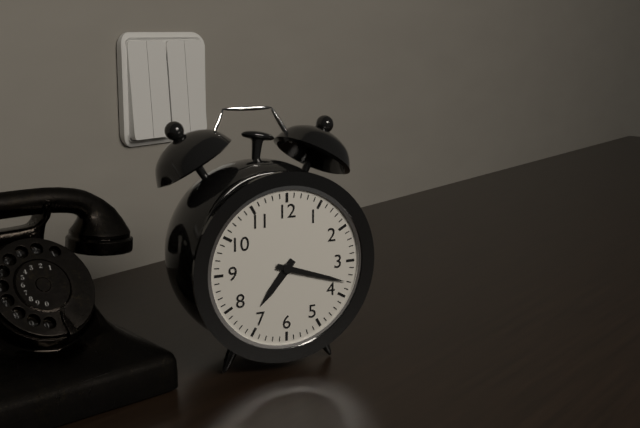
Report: **7:18**
